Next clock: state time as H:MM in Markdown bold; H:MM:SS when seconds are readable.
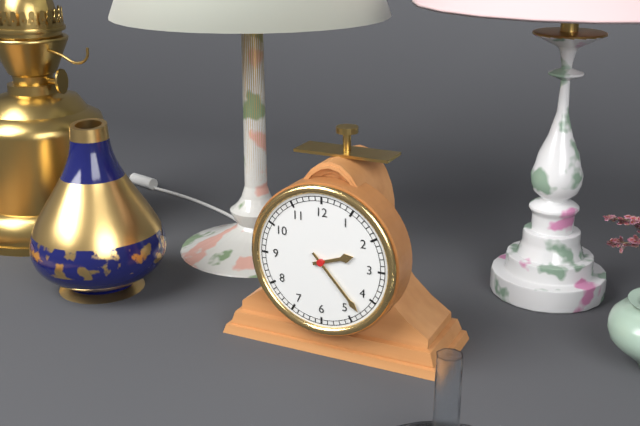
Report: **2:23**
